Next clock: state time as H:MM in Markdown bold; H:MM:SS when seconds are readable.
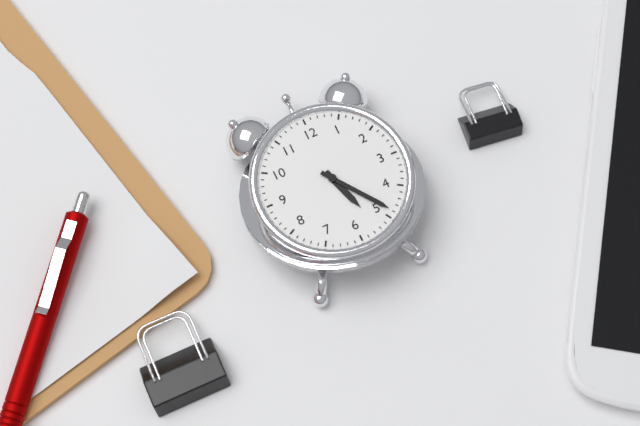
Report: **5:24**
